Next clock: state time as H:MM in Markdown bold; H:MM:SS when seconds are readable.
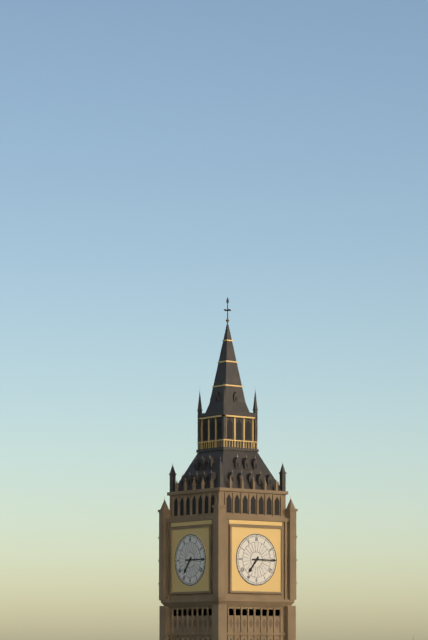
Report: **7:15**
